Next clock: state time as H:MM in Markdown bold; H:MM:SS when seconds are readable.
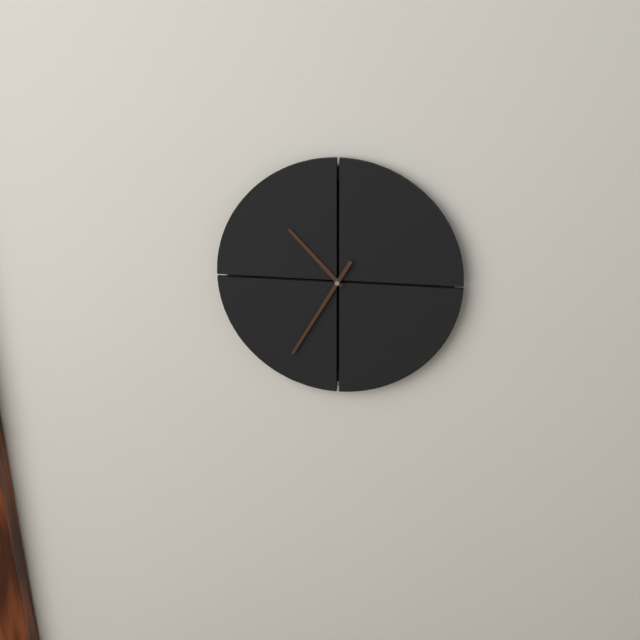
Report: **10:35**
